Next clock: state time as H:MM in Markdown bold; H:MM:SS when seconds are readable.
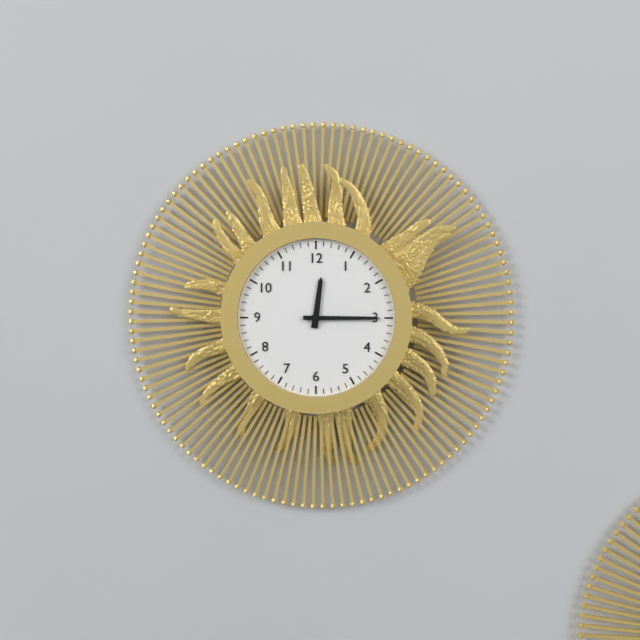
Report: **12:15**
